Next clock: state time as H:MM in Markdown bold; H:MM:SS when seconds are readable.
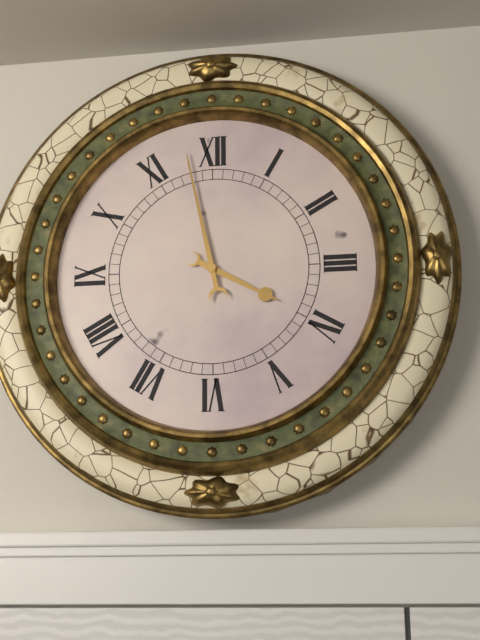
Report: **3:58**
